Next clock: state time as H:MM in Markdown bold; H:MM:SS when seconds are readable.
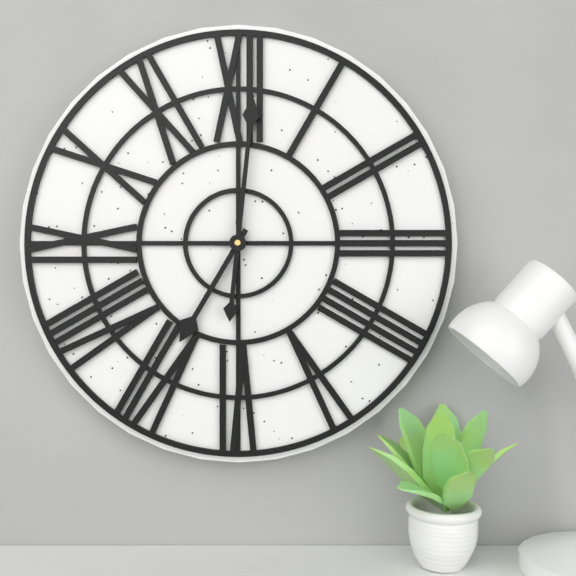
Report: **7:01**
